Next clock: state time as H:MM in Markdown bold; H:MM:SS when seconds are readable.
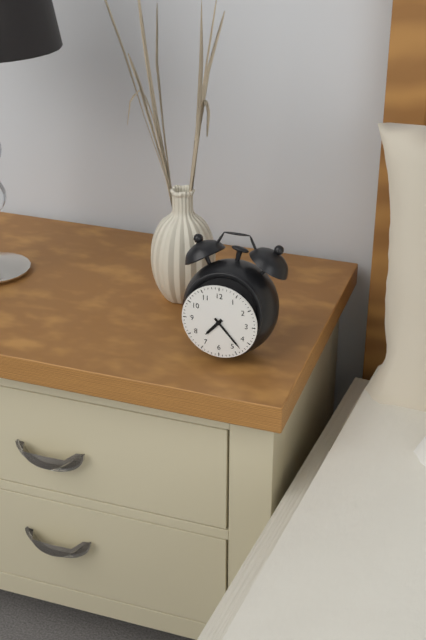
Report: **7:23**
